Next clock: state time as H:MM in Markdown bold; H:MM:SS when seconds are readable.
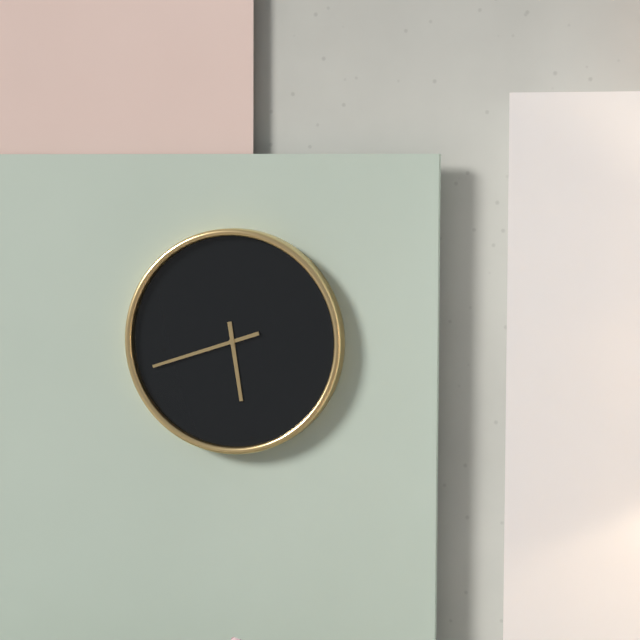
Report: **5:42**
